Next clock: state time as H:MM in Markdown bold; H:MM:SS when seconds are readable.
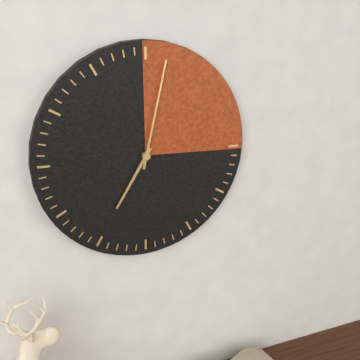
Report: **7:02**
